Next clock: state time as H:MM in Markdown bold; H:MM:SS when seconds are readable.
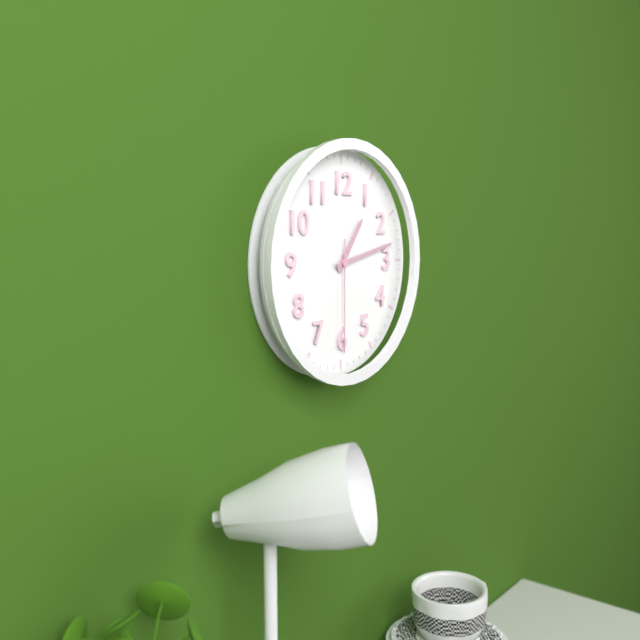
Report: **1:13:30**
